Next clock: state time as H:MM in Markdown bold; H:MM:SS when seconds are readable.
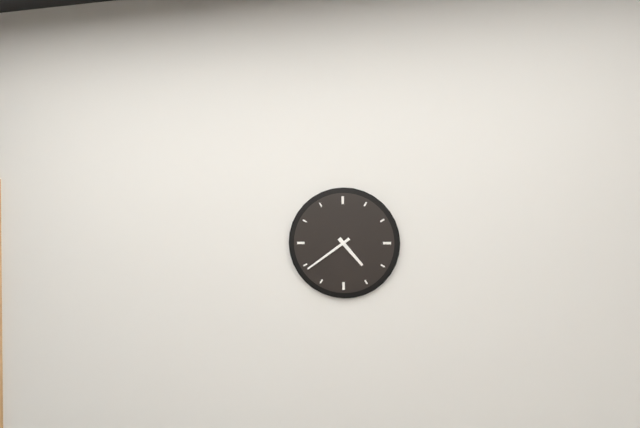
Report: **4:39**
